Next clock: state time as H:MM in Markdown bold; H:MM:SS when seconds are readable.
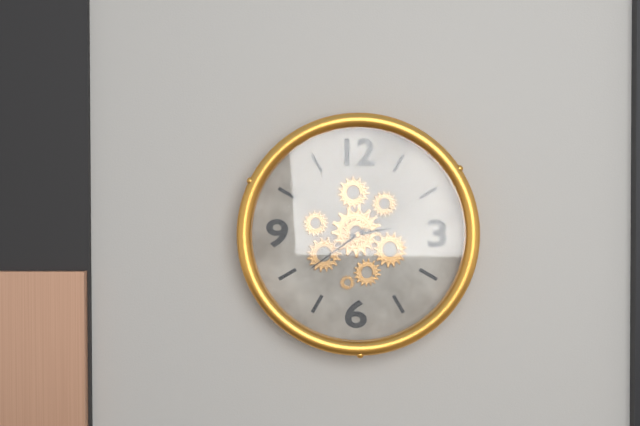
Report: **2:39**
